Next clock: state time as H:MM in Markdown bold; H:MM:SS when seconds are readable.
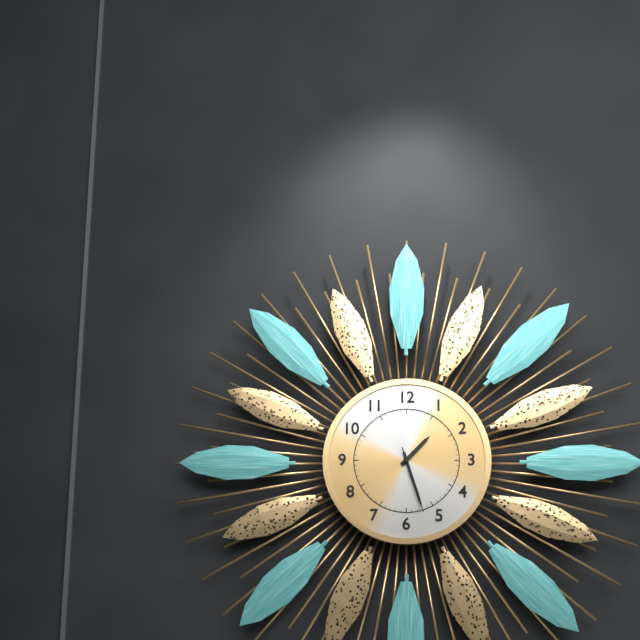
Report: **1:27:27**
